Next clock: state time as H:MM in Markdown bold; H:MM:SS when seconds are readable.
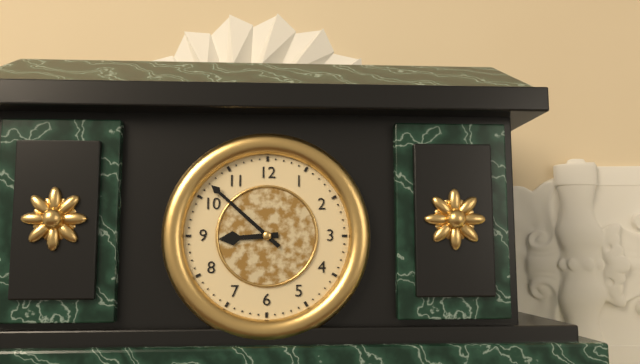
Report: **8:52**
